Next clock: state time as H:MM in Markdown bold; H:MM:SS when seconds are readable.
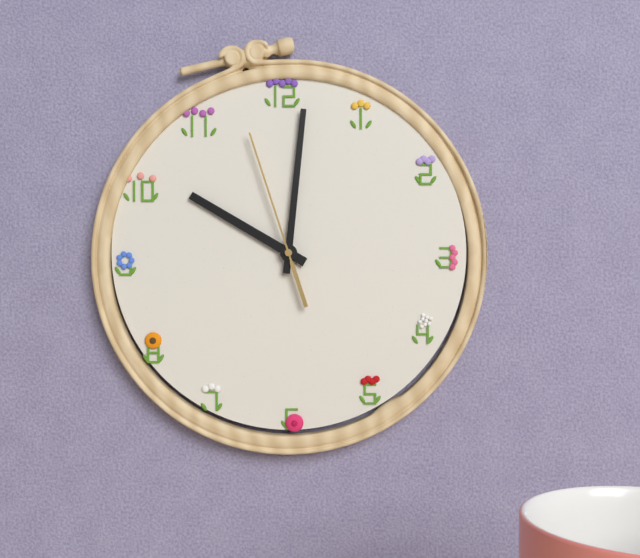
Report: **10:01:57**
